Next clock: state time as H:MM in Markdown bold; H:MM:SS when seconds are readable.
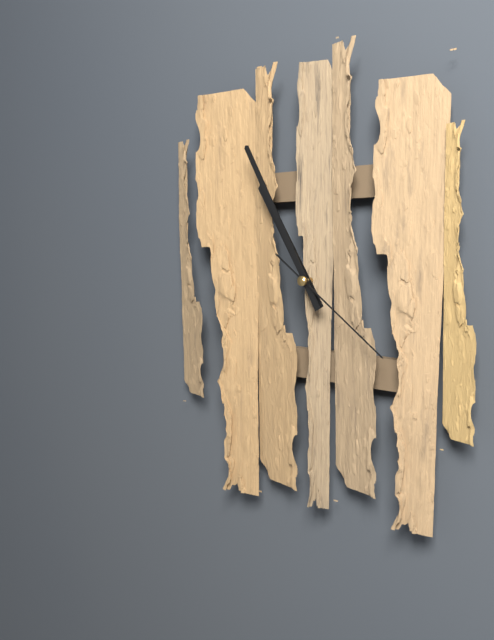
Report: **10:55:21**
